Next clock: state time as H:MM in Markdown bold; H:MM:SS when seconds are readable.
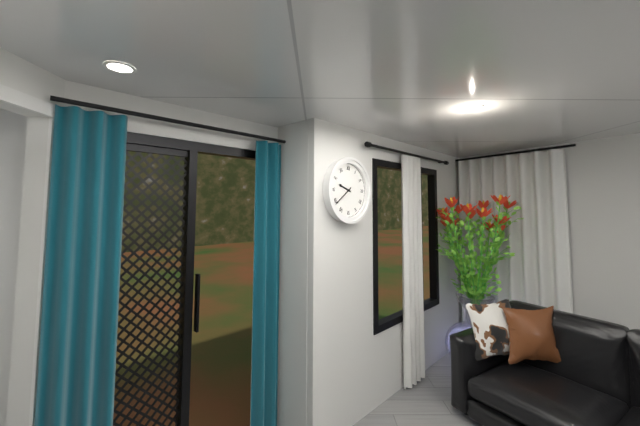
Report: **9:39**
